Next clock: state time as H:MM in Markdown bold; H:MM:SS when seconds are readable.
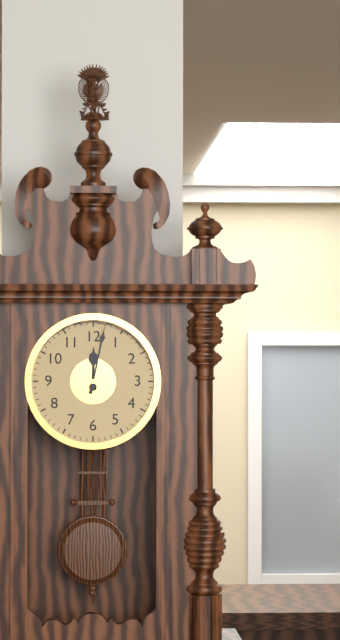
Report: **12:02**
